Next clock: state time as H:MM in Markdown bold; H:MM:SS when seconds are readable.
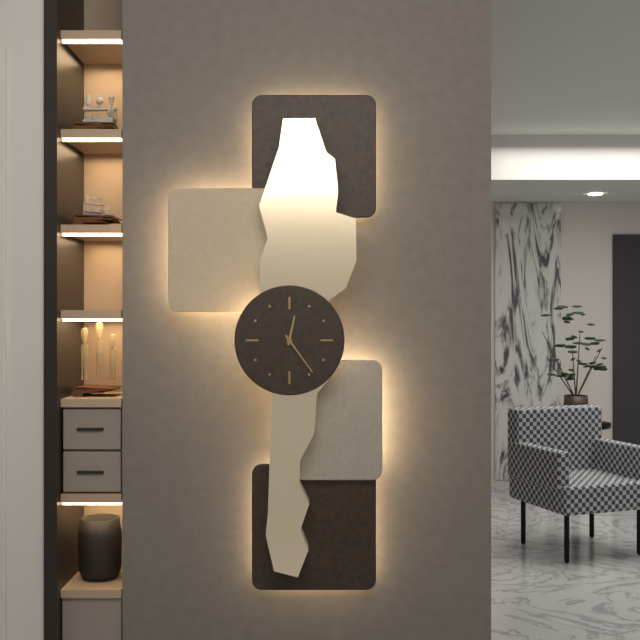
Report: **12:24**
